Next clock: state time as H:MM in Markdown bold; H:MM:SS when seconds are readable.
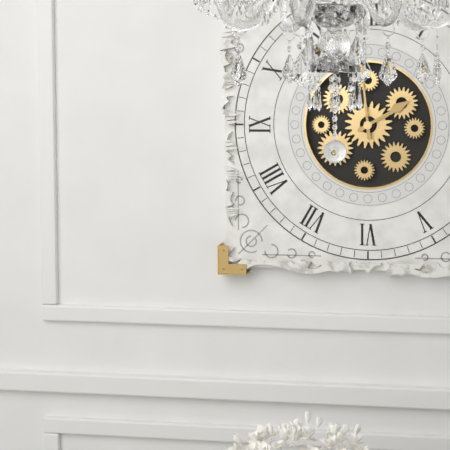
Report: **1:59**
